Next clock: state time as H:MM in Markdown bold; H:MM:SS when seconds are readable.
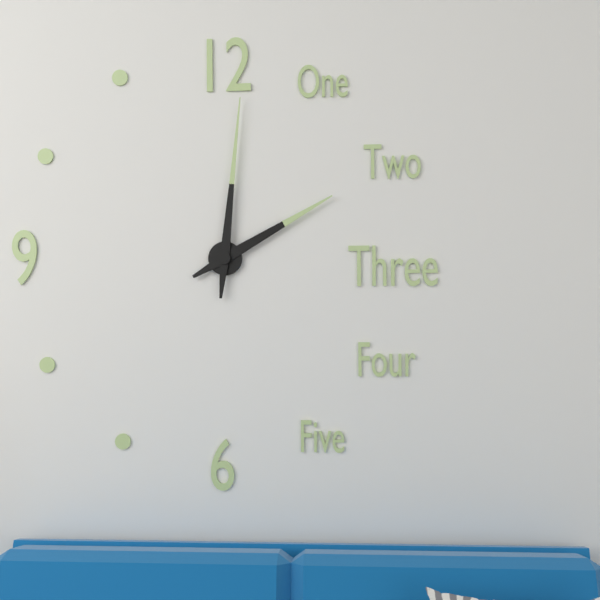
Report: **2:01**
